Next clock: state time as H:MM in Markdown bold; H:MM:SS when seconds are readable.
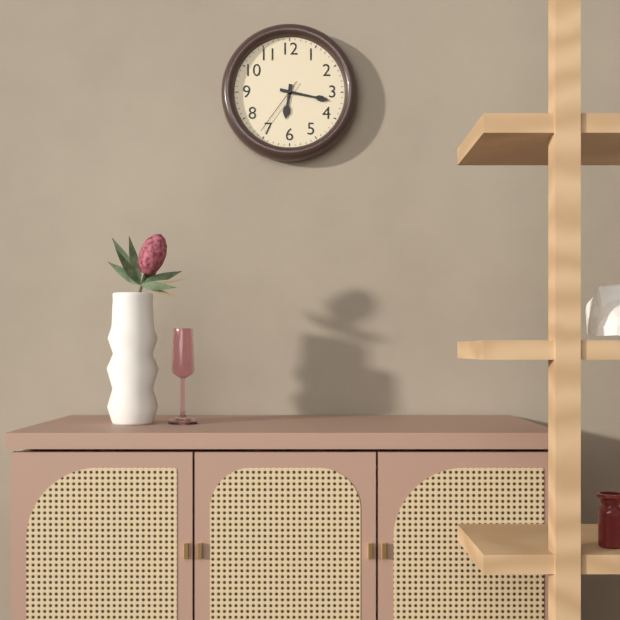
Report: **6:17:36**
